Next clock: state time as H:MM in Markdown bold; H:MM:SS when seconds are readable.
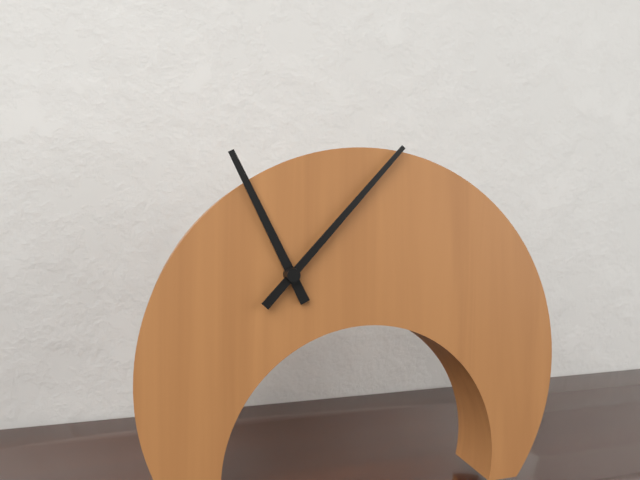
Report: **11:07**
